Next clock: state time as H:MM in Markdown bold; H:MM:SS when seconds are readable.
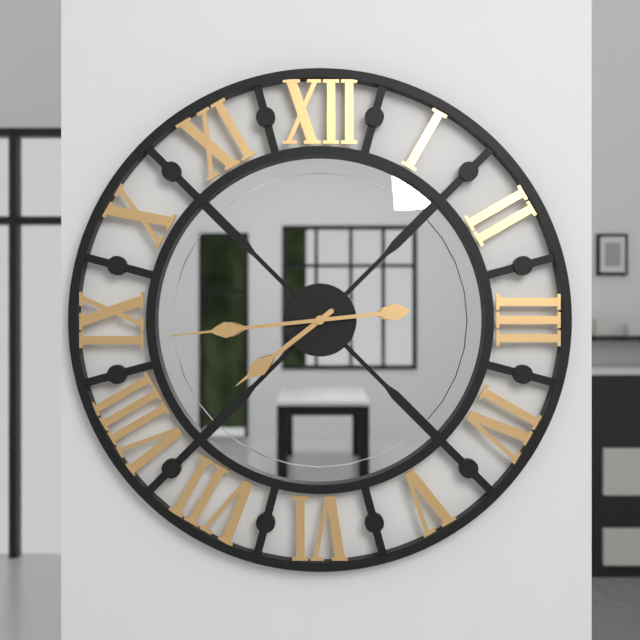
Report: **7:44**
